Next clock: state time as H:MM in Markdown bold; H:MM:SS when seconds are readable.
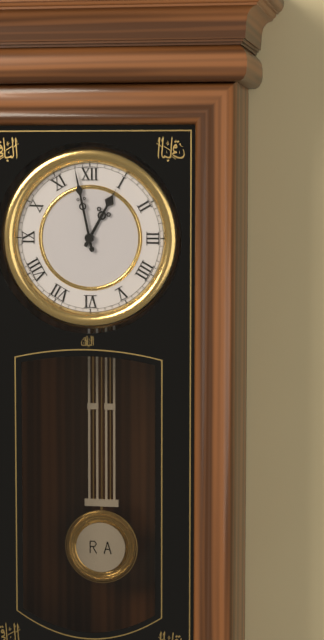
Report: **12:58**
